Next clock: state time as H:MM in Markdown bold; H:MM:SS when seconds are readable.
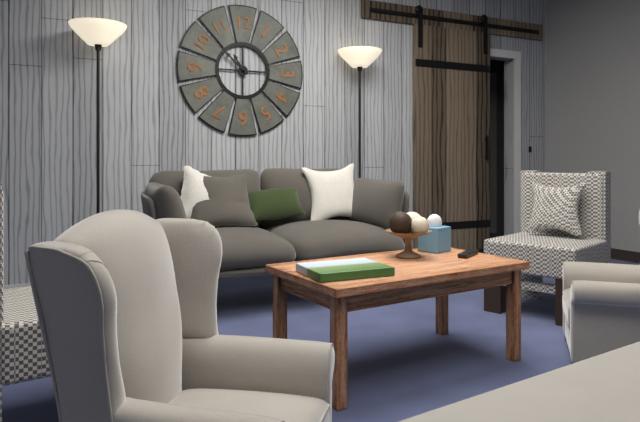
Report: **10:52**
